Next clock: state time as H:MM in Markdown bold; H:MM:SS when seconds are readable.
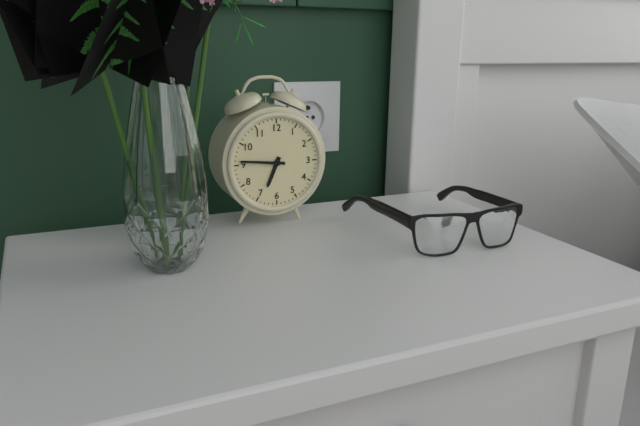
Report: **6:46**
